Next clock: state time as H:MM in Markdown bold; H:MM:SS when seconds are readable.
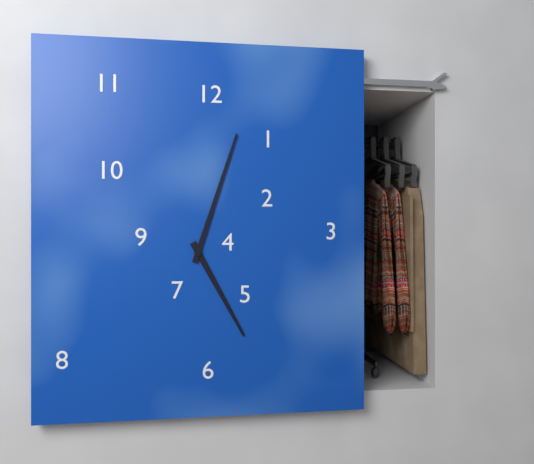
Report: **5:03**
